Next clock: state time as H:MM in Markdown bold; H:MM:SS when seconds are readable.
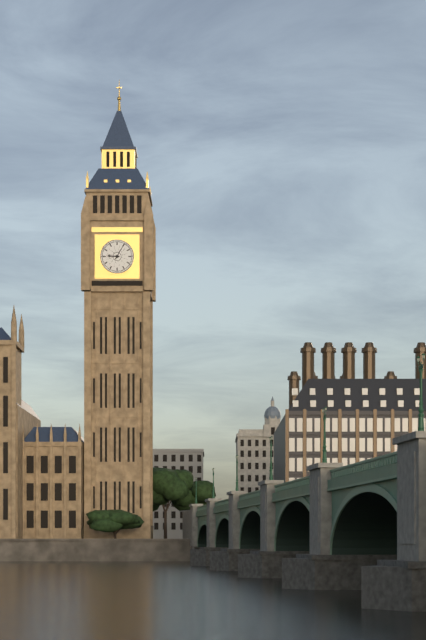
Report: **9:05**
